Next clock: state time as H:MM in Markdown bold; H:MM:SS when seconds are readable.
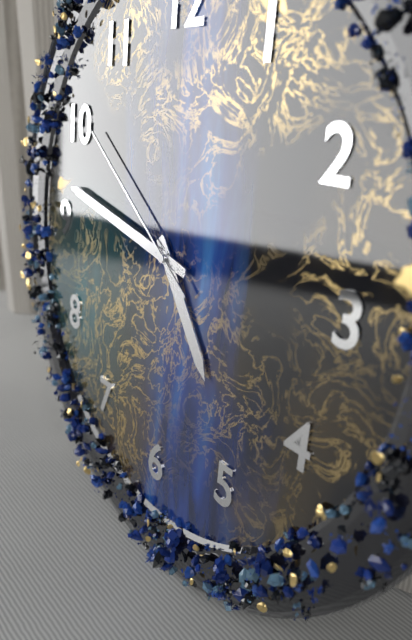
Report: **4:47:51**
